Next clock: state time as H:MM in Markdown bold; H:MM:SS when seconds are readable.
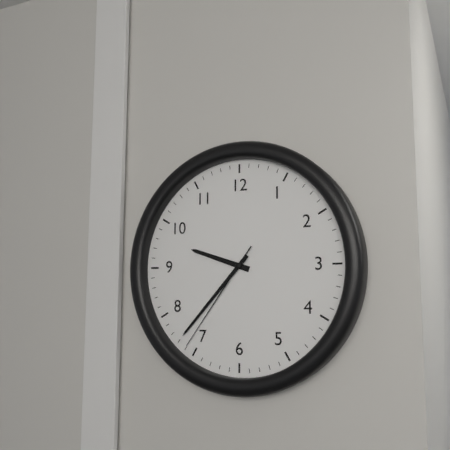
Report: **9:37:36**
